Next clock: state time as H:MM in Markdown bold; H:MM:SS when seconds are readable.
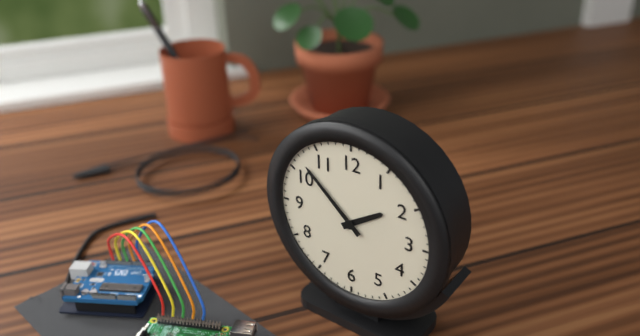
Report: **1:52**
